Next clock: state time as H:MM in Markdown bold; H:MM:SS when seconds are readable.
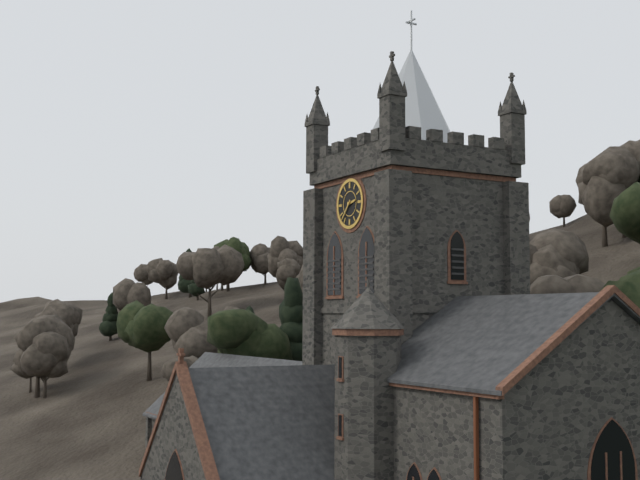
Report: **2:37**
